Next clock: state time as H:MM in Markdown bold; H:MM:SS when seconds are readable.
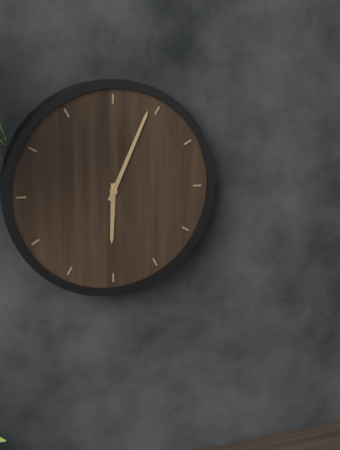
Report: **6:04**
